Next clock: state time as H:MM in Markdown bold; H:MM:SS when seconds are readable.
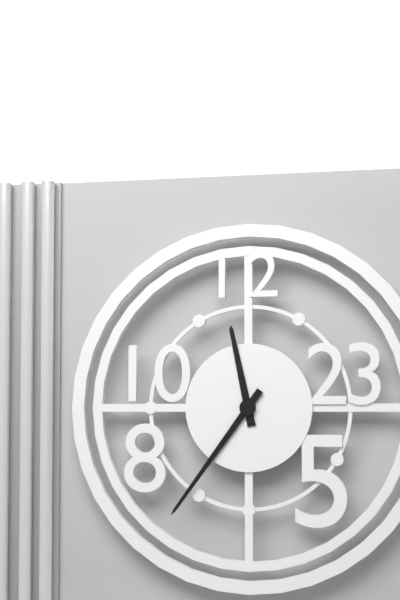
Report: **11:36**
